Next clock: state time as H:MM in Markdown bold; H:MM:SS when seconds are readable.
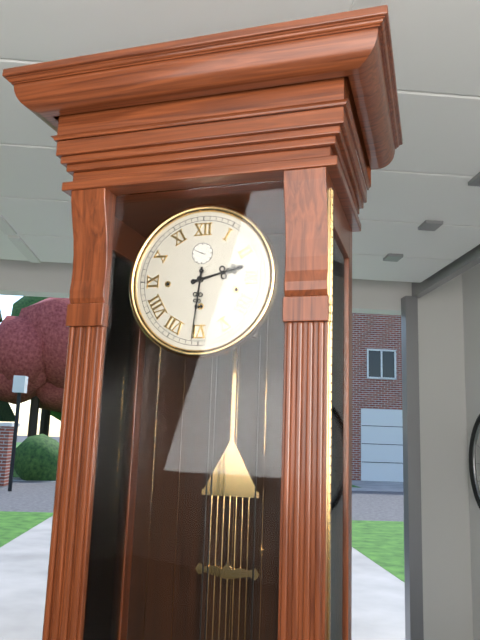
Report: **2:31**
